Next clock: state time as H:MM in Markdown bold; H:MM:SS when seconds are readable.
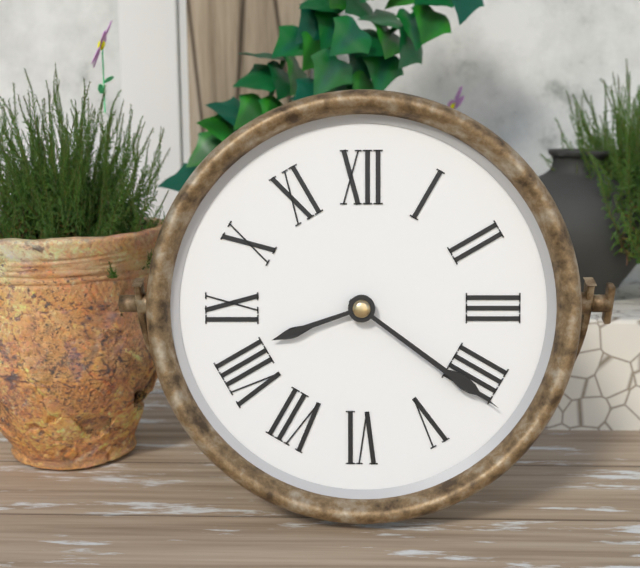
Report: **8:21**
